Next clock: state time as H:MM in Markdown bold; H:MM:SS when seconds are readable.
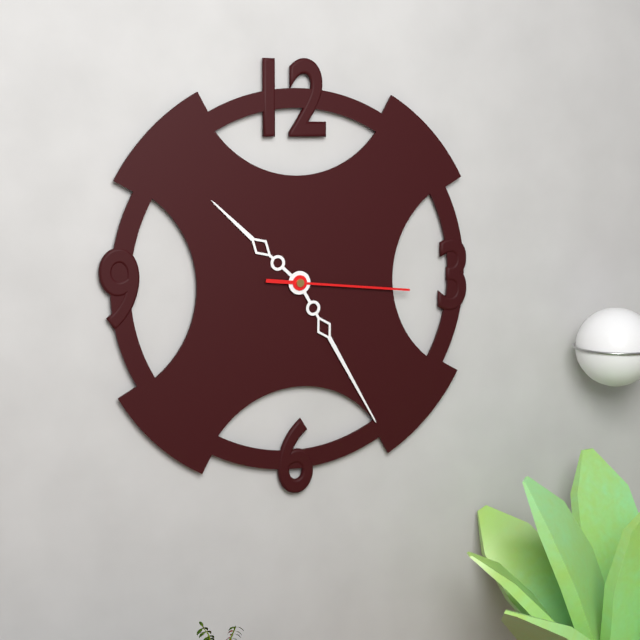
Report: **10:25:16**
